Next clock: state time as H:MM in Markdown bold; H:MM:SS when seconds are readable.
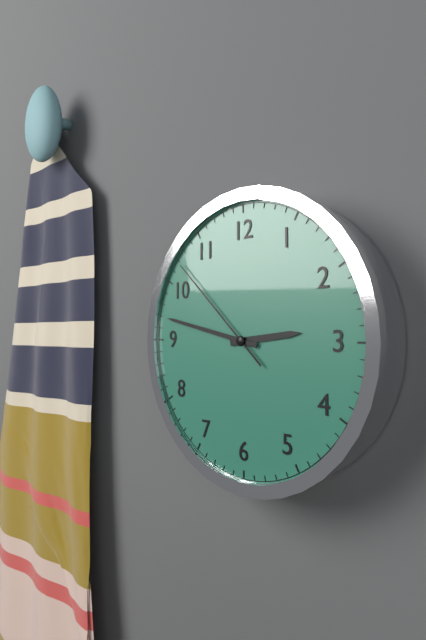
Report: **2:47:52**
